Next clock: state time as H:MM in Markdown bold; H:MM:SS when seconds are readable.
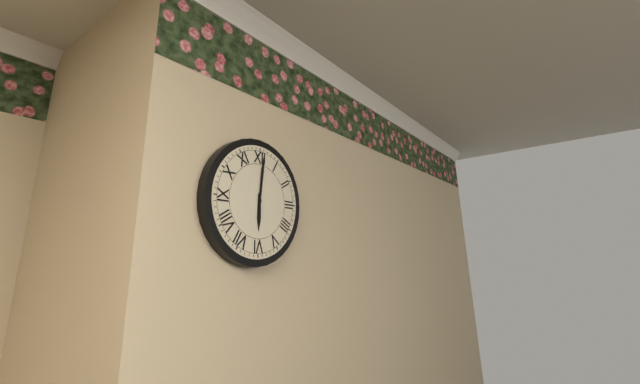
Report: **6:01**
